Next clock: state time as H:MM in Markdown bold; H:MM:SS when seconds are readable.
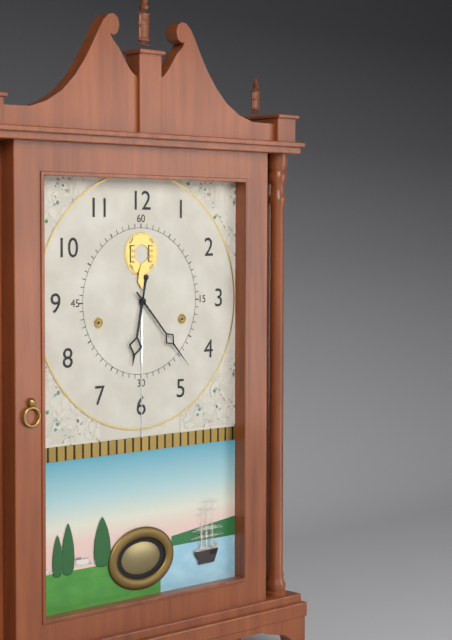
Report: **6:23**
